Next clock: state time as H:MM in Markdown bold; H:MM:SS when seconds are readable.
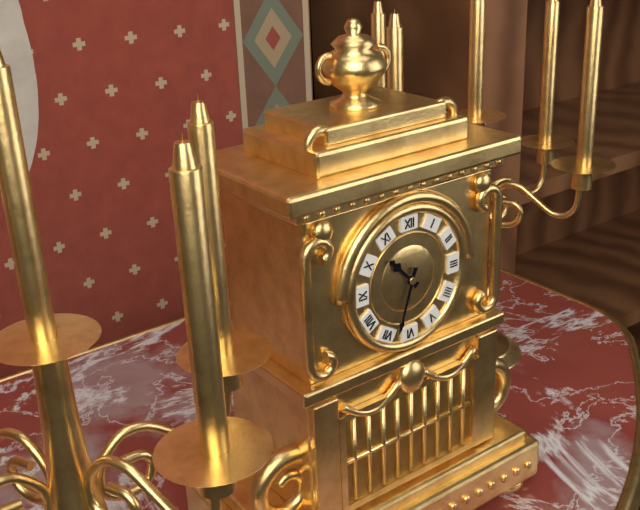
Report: **10:33**
